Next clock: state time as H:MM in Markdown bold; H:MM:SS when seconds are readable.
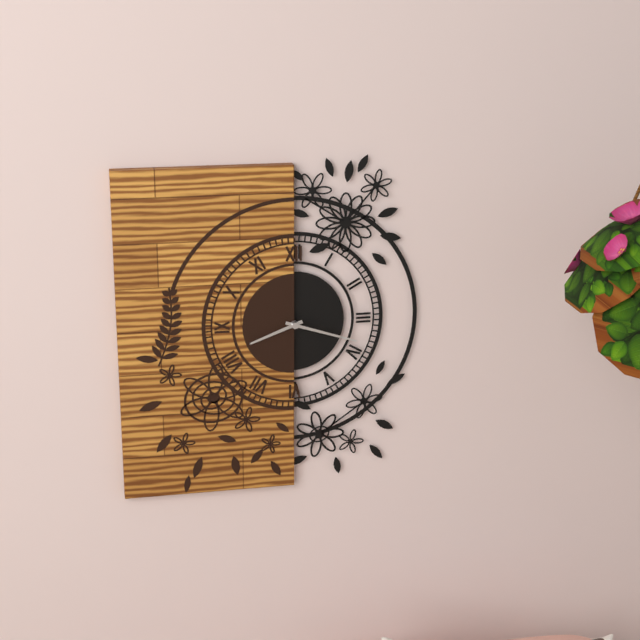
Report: **8:18**
